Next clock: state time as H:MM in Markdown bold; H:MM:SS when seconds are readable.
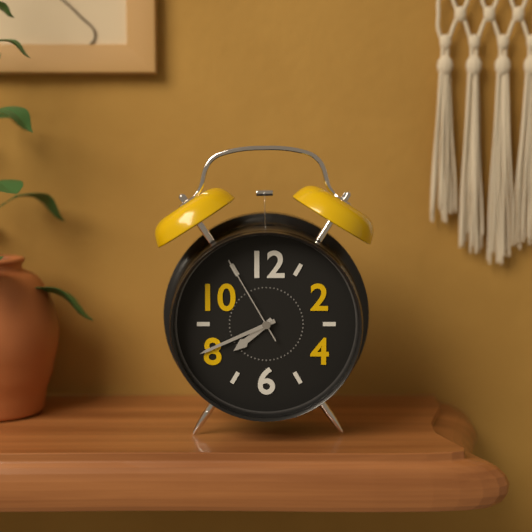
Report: **7:41:55**
